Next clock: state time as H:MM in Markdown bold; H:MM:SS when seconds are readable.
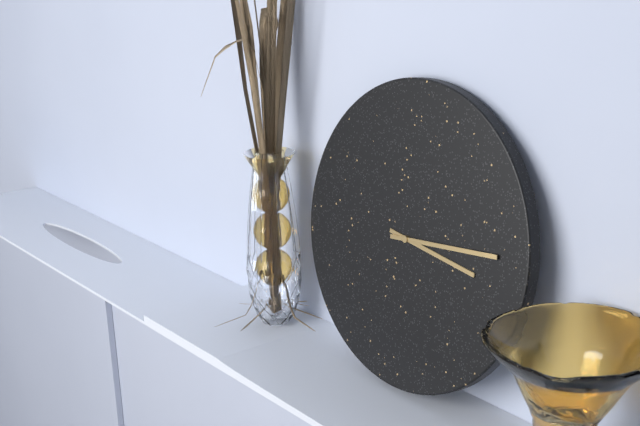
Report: **3:14**
